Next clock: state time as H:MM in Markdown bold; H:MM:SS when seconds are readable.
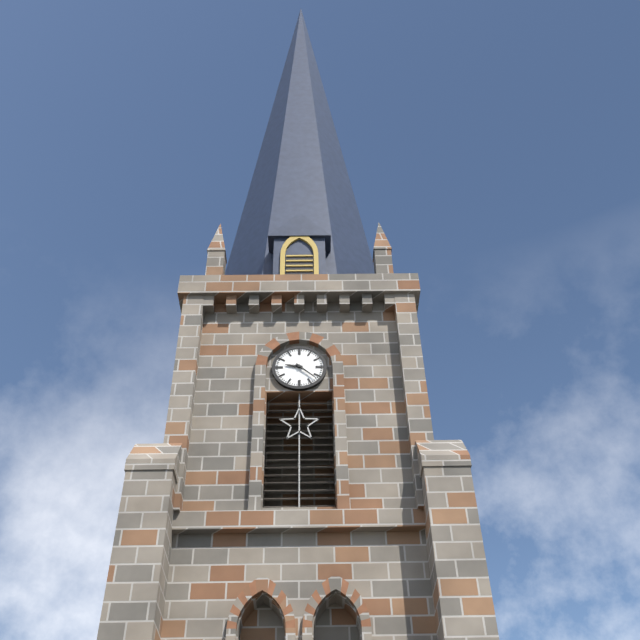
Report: **9:22**
